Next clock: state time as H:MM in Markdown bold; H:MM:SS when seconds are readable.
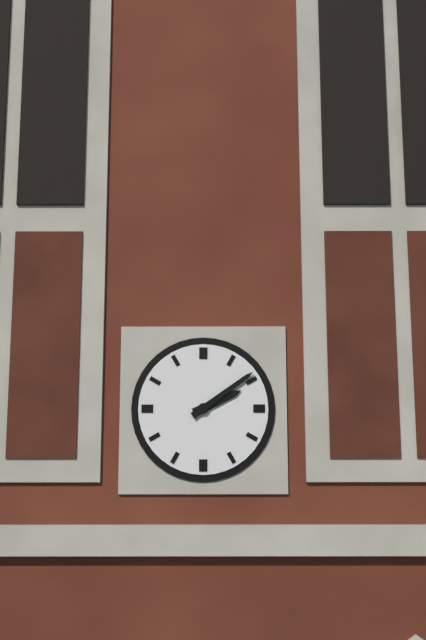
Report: **2:09**
